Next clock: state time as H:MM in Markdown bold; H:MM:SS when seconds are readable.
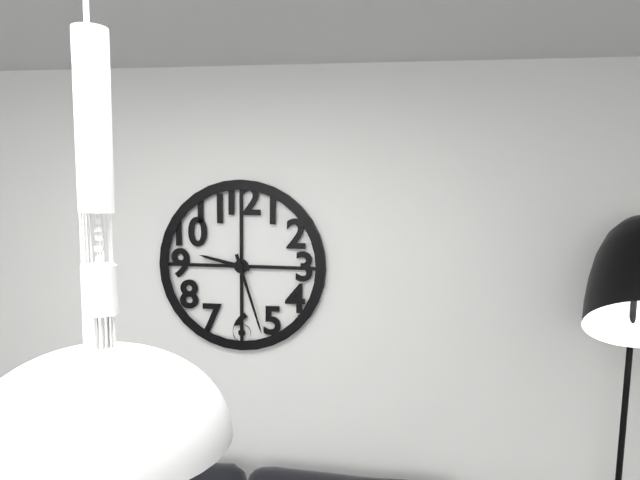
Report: **9:27**
